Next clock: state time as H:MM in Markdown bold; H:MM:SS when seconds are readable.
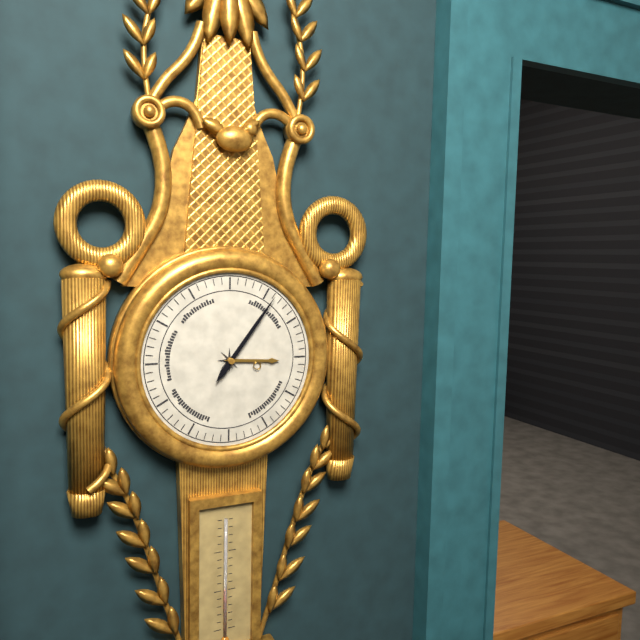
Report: **3:06**
